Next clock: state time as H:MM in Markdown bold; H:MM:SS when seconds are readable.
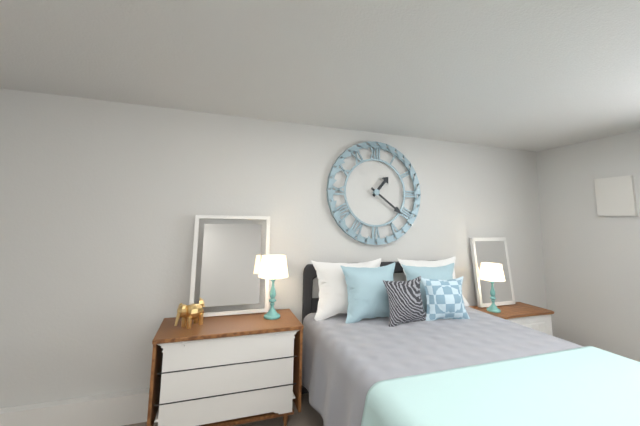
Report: **1:21**
